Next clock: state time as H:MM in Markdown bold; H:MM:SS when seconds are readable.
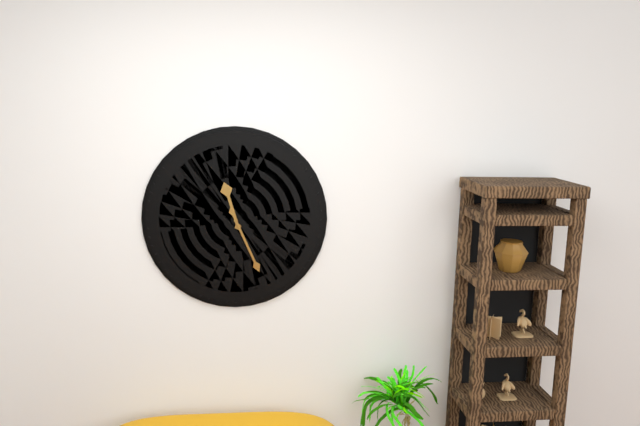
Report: **11:26**
